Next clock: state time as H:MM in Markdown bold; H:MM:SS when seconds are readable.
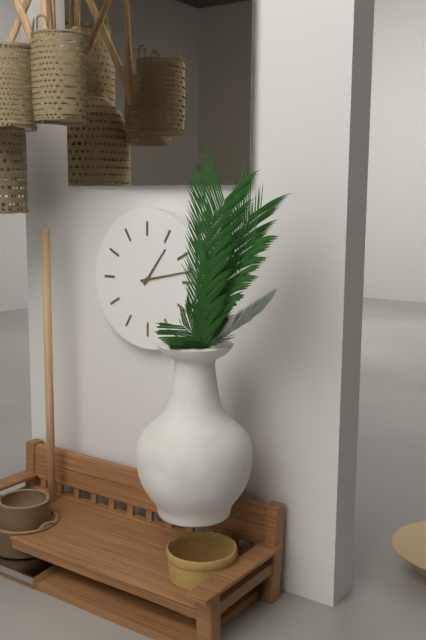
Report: **1:13**
